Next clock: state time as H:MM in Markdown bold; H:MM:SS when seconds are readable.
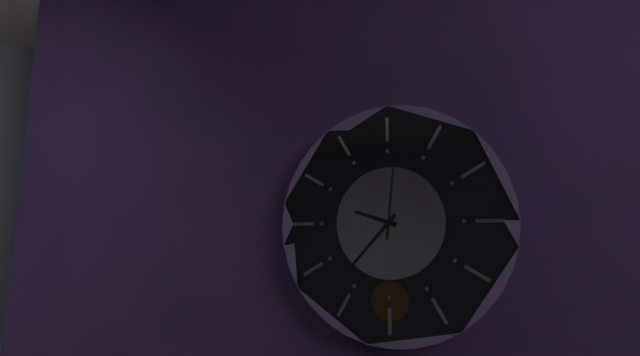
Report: **9:37:01**
